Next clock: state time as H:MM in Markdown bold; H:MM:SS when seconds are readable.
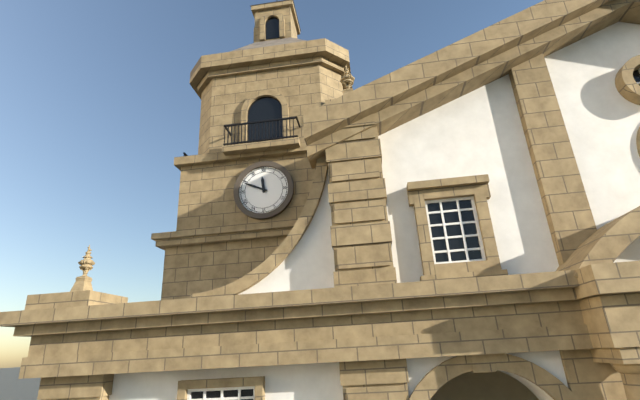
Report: **11:49**
